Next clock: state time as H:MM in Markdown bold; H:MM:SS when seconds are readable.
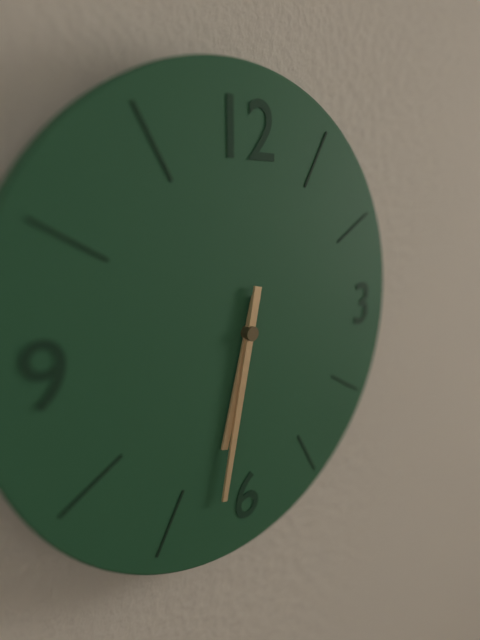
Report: **6:32**
